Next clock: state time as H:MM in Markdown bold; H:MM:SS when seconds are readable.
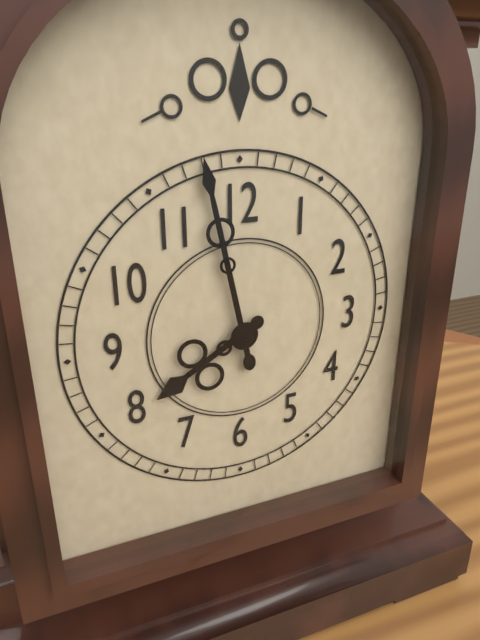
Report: **7:58**
